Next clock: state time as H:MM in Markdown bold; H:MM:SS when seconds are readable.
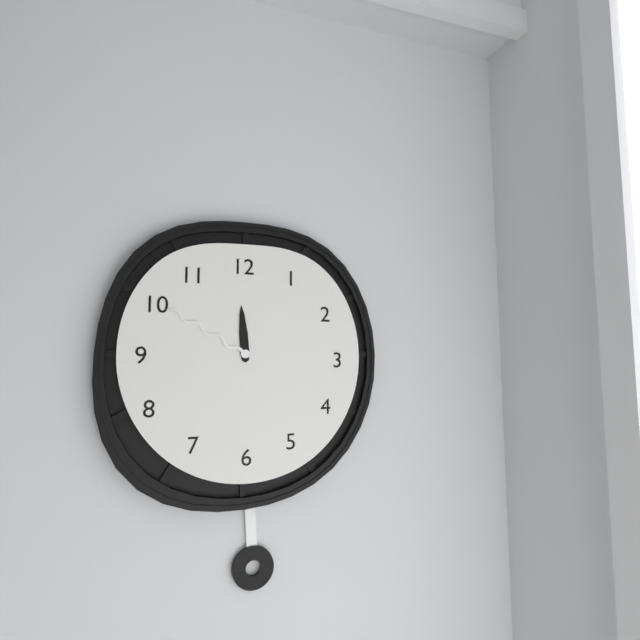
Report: **11:50**
